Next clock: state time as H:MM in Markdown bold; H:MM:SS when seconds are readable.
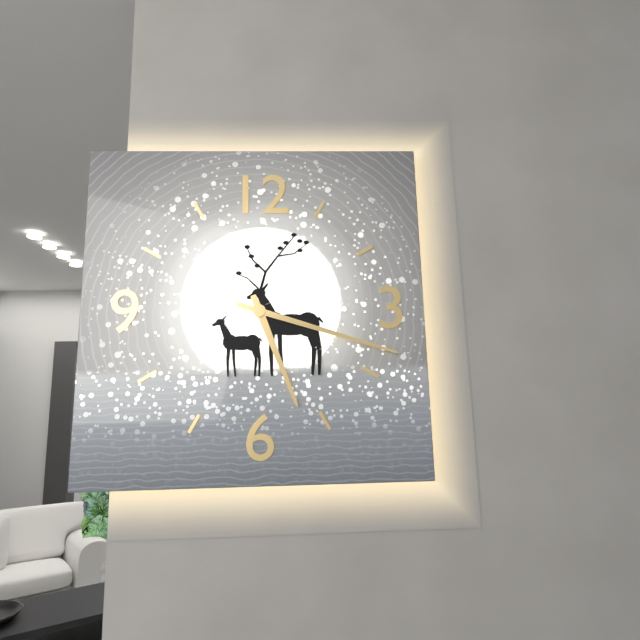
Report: **5:18**
